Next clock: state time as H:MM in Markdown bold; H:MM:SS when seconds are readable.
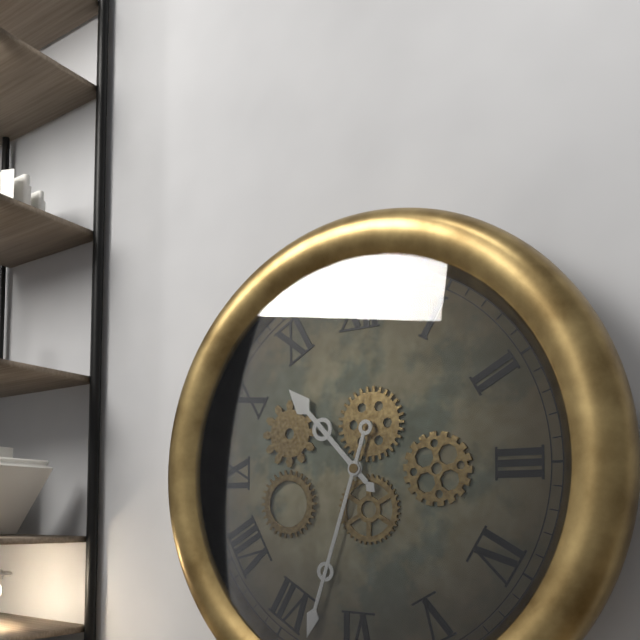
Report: **10:33**
